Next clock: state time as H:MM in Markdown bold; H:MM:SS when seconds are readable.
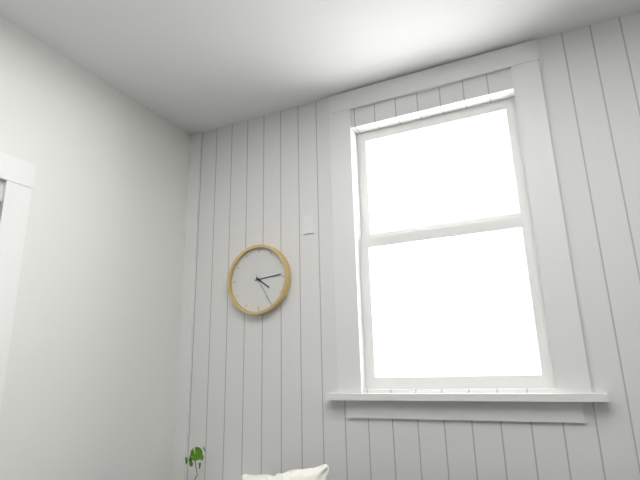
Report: **4:14**
